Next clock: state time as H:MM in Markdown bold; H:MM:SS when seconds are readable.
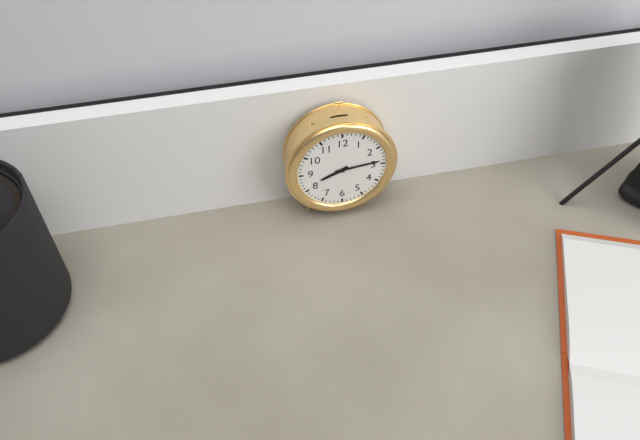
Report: **8:14**
